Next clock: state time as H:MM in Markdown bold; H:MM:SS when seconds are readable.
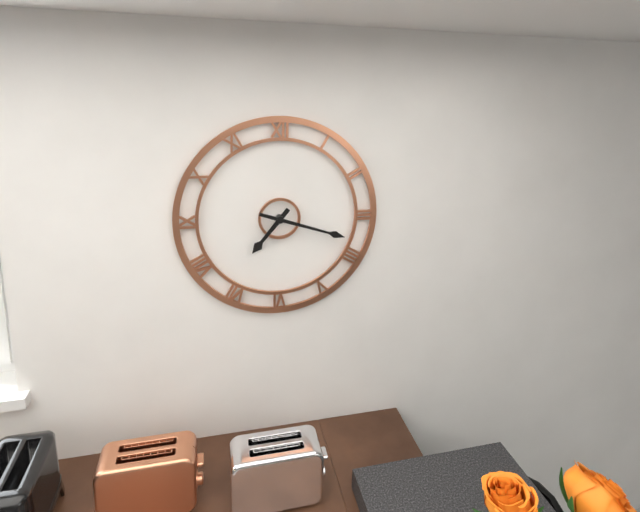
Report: **7:18**
